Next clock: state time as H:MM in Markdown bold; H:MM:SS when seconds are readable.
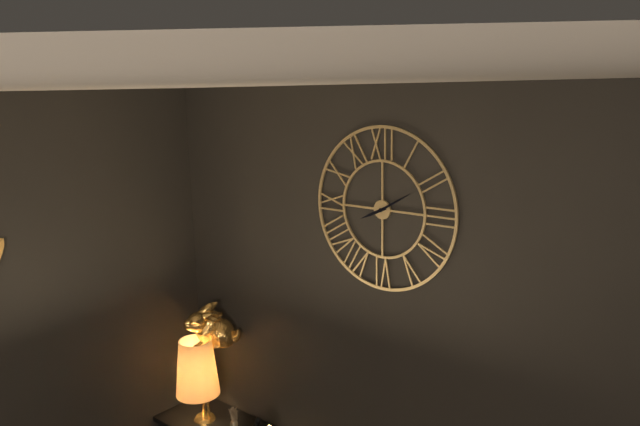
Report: **8:10**
